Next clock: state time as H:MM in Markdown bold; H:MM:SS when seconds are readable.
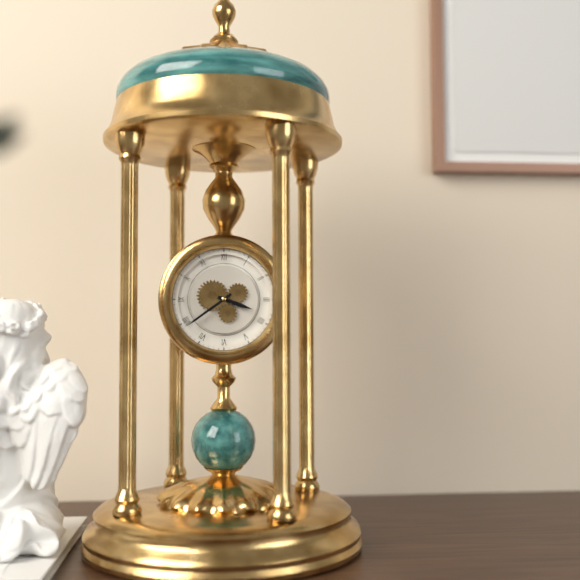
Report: **3:39**
